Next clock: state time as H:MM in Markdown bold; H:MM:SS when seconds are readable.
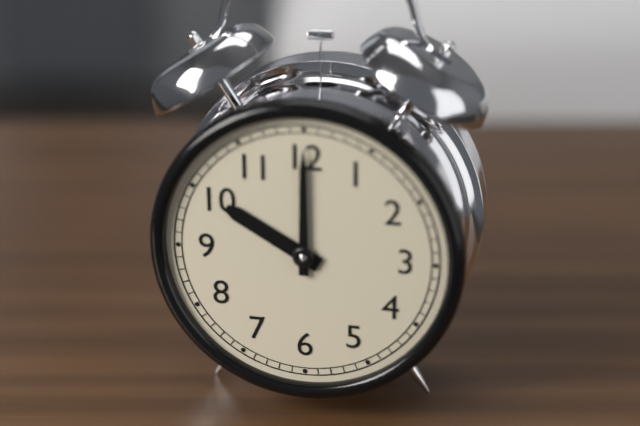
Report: **10:00**
